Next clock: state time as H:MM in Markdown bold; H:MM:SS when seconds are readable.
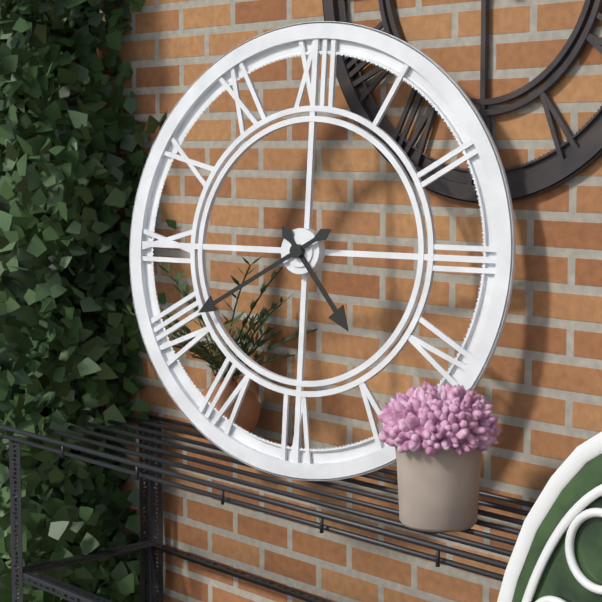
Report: **4:40**
